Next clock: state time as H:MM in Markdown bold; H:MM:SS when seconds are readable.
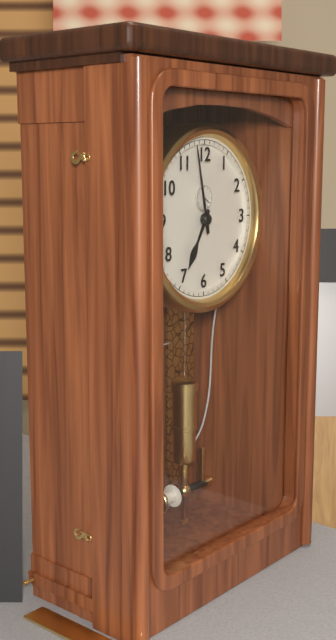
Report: **6:58**
